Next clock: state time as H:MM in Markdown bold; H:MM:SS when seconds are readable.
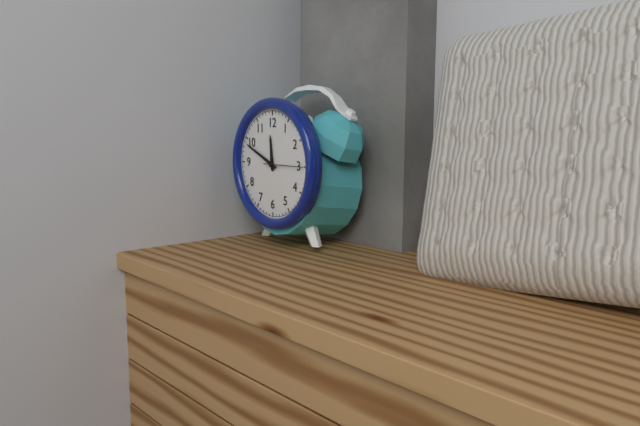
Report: **11:49**
